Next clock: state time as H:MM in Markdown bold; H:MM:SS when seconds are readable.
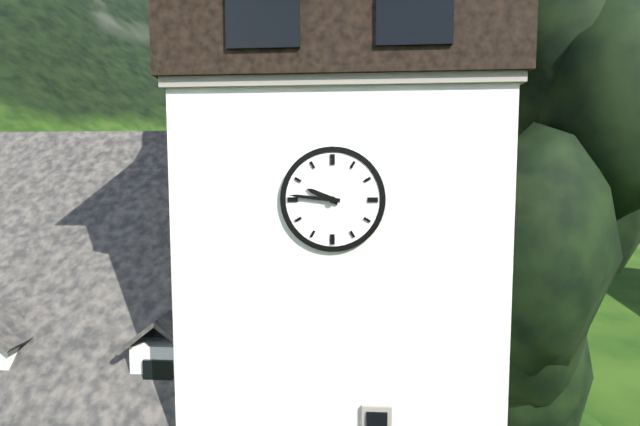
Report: **9:46**
